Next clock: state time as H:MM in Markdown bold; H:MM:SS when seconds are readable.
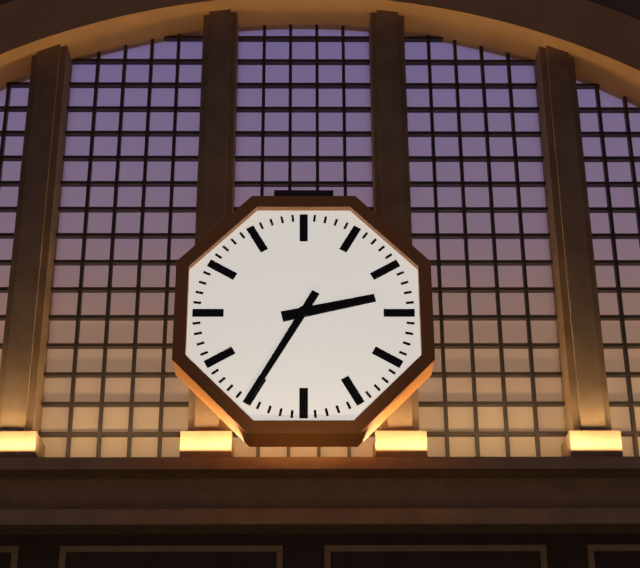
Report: **2:35**
